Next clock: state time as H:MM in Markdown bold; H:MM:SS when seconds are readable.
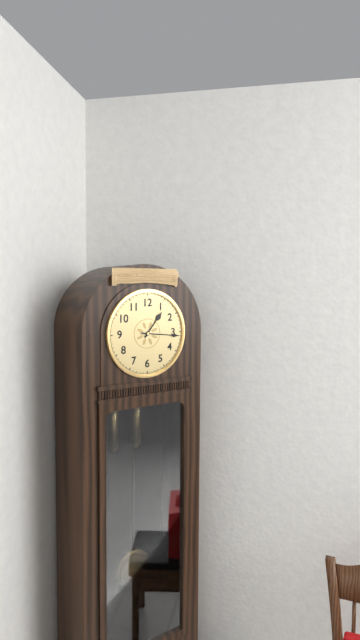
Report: **1:16**
